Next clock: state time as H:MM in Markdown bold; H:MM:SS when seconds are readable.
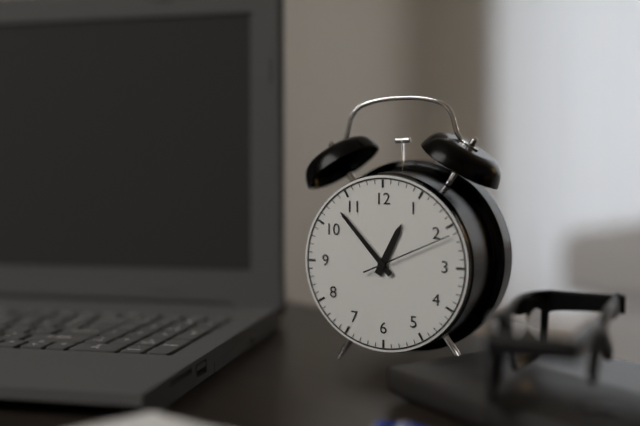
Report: **12:53:11**
